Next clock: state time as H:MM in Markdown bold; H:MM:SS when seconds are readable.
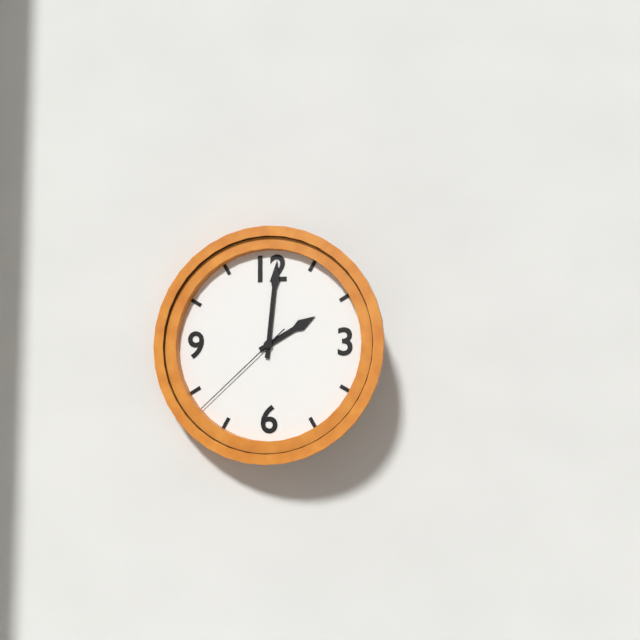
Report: **2:01:38**
